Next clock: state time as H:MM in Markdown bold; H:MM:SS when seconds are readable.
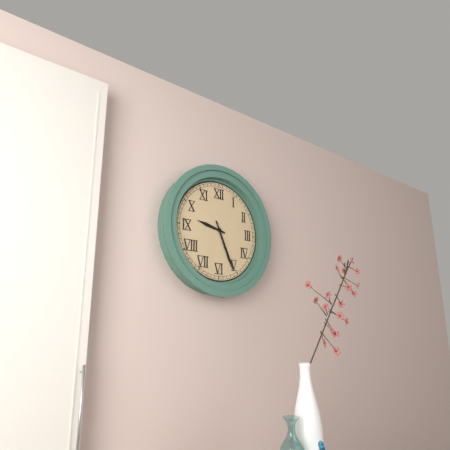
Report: **9:26**
